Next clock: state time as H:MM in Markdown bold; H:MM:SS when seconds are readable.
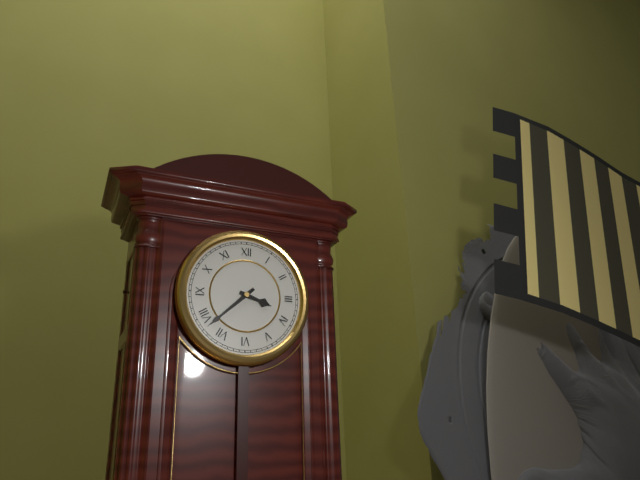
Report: **3:38**
